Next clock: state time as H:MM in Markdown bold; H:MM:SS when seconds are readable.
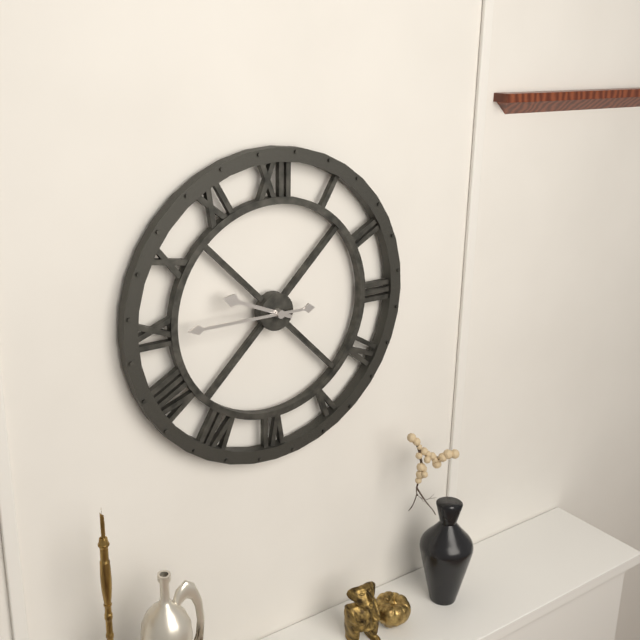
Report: **9:45**
